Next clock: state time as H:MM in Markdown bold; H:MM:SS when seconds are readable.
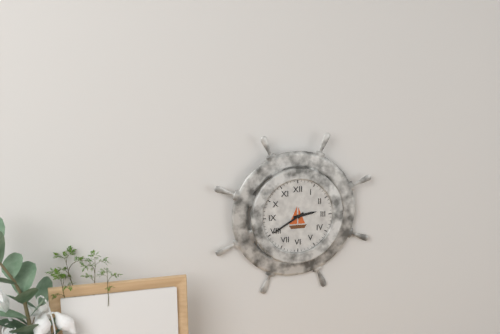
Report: **2:40**
